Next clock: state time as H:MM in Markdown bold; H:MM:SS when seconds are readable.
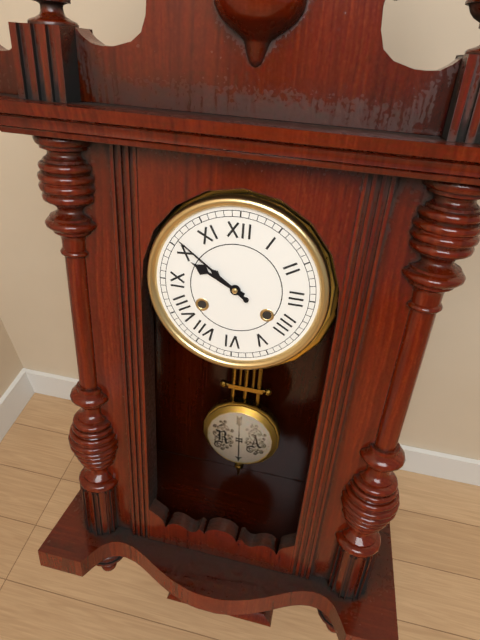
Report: **9:51**
